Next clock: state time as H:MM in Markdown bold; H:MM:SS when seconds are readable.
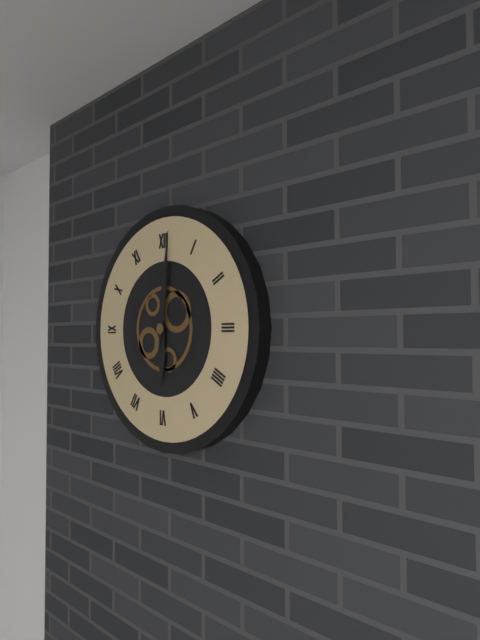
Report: **6:01**
